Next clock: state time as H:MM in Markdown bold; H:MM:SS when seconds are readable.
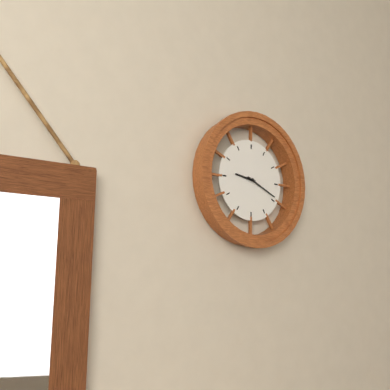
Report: **9:19**
